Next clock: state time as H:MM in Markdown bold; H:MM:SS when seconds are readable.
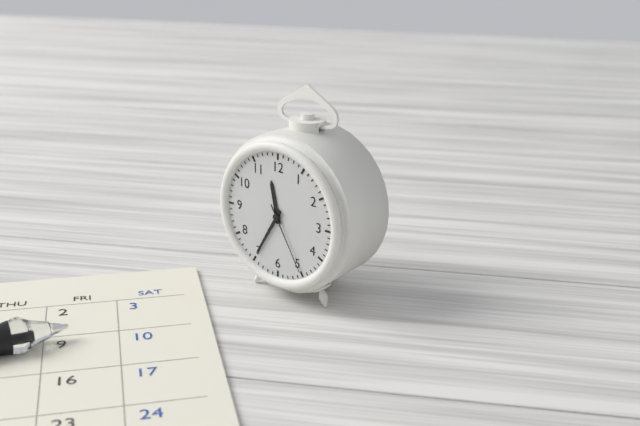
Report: **11:35:25**
